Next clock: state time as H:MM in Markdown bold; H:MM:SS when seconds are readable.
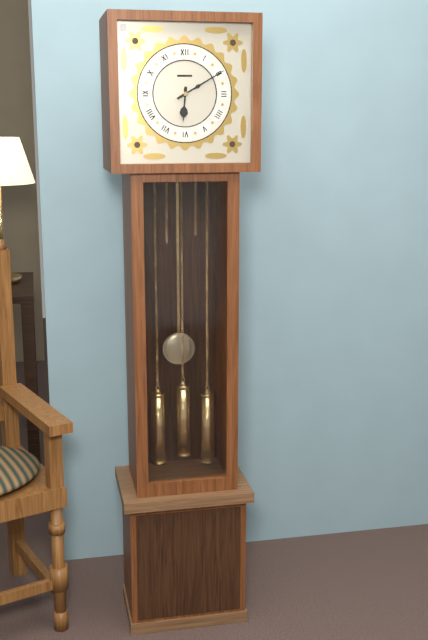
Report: **6:10**
